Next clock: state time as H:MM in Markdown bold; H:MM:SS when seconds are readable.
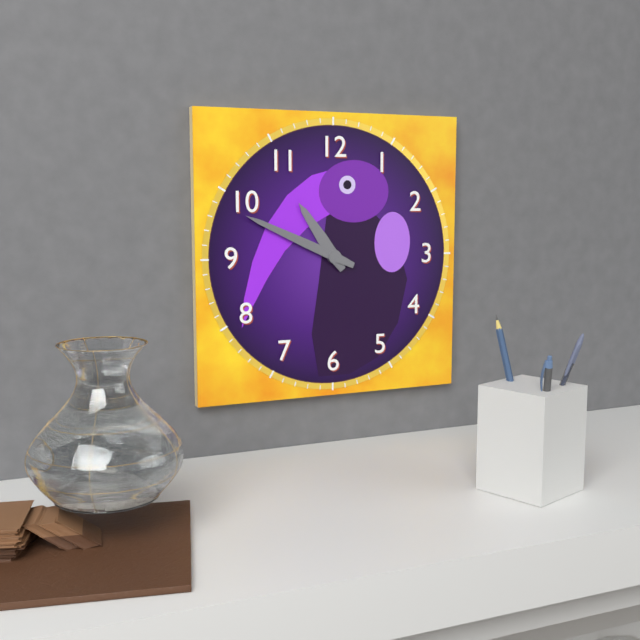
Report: **10:49**
